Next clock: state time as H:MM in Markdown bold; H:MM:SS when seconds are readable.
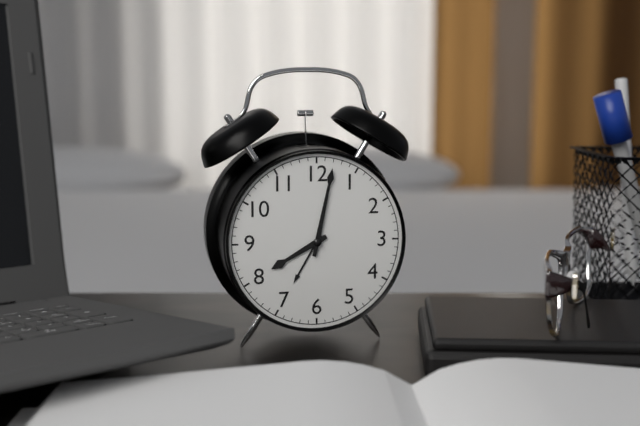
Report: **8:02**
